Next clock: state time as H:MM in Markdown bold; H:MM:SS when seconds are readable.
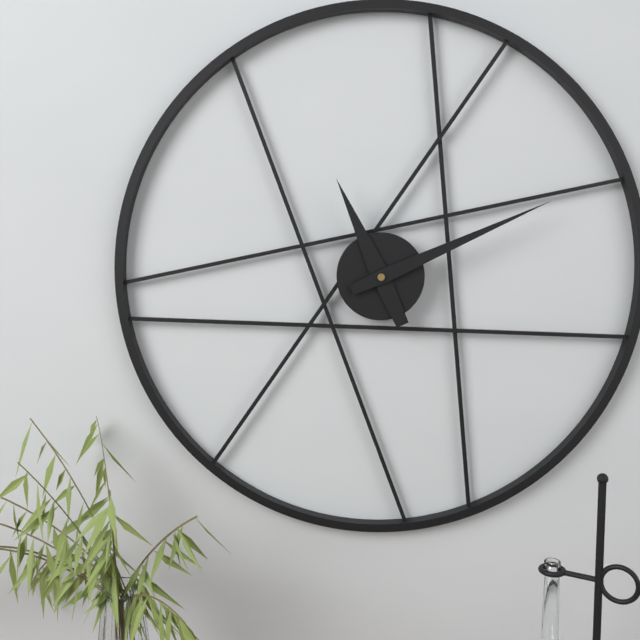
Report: **11:11**
